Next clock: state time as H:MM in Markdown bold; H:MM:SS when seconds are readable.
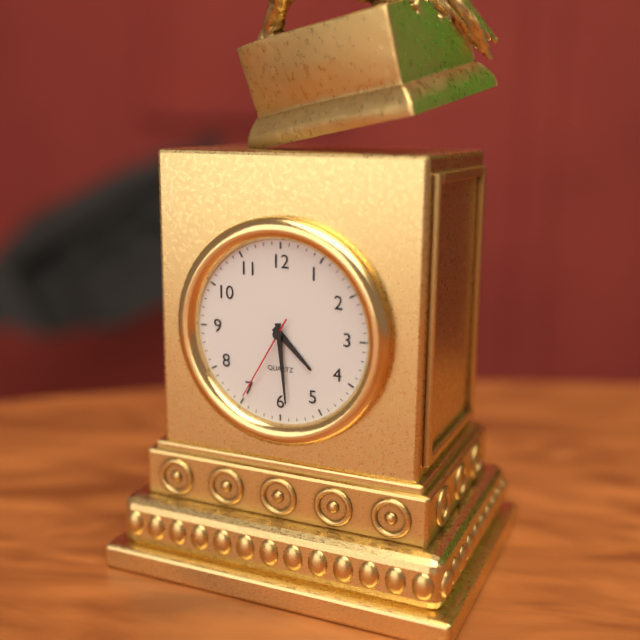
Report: **4:29:35**
